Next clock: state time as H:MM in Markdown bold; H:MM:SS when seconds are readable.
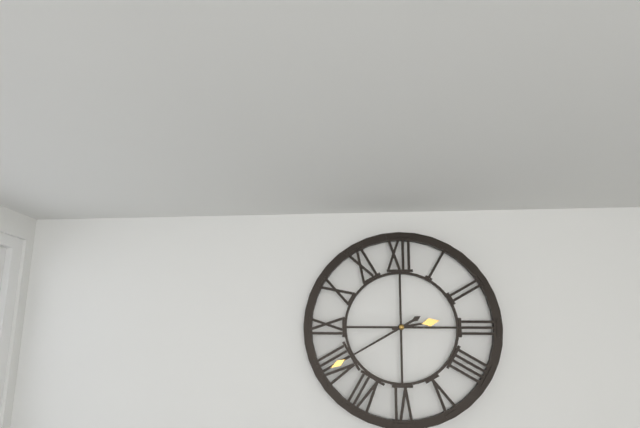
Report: **2:40**
